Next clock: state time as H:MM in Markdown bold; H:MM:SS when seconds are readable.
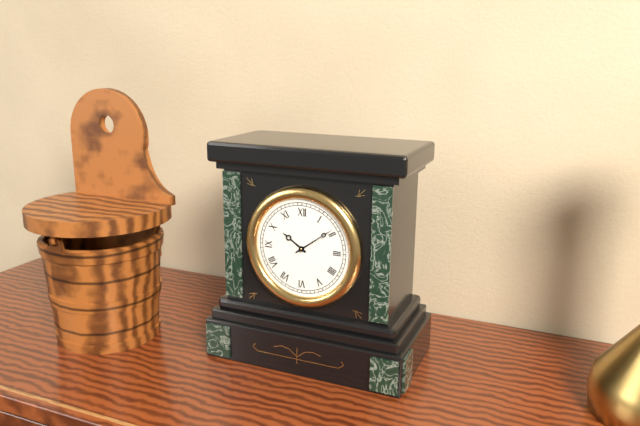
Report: **10:09**
